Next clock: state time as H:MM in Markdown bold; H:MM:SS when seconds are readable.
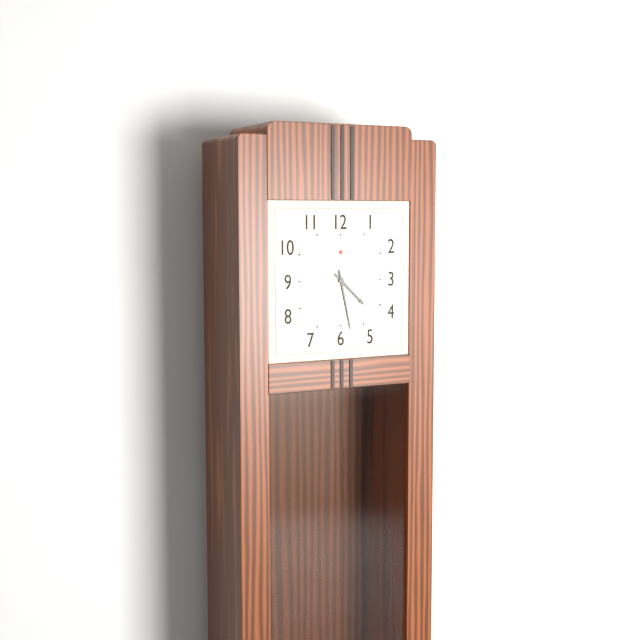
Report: **4:28**
